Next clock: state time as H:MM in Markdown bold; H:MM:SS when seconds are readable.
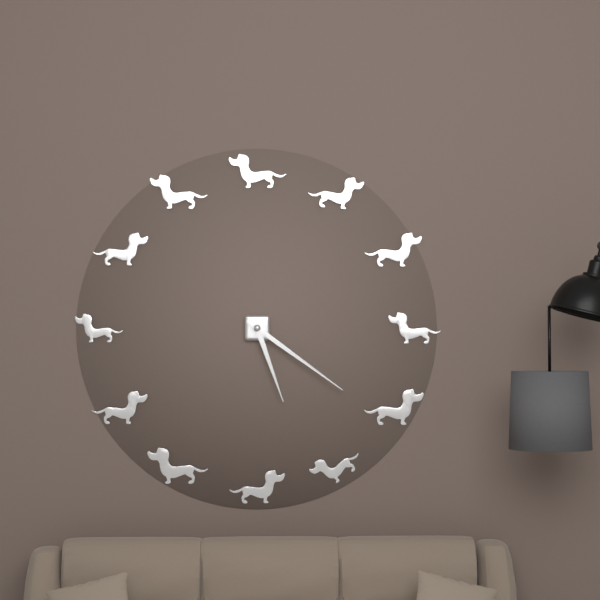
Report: **5:21**
